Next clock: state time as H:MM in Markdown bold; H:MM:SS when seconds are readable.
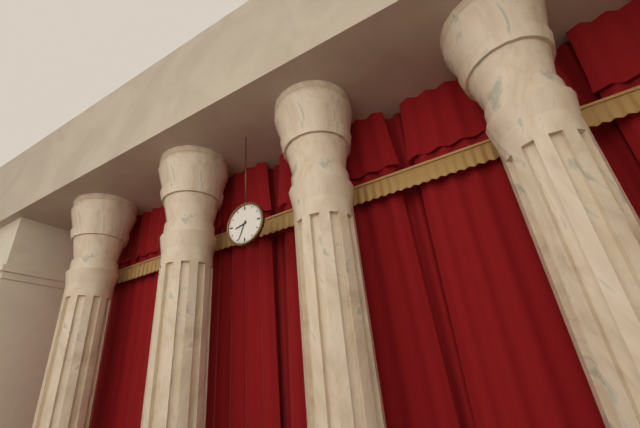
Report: **8:34**
